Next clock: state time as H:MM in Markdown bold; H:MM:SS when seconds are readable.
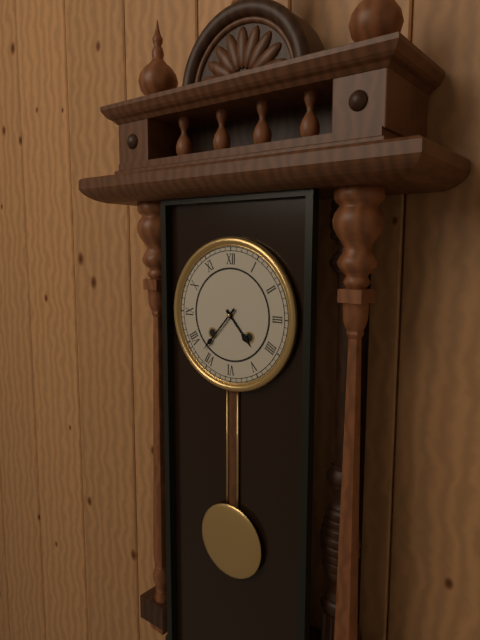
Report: **4:37**
